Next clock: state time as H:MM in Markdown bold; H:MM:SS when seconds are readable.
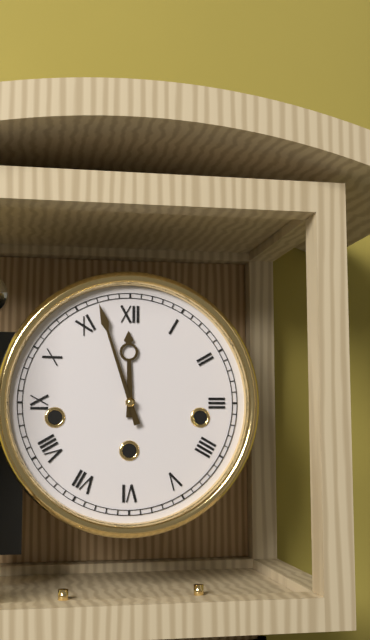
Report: **11:57**
